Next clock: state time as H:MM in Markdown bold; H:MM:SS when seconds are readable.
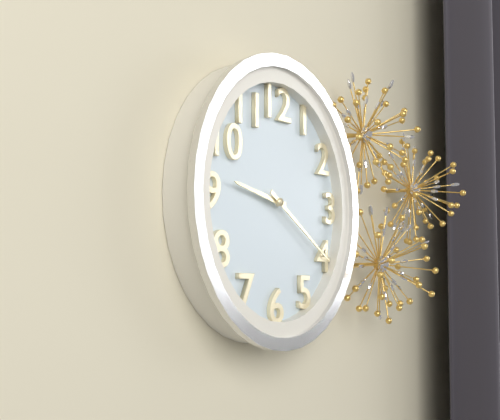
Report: **9:20**
